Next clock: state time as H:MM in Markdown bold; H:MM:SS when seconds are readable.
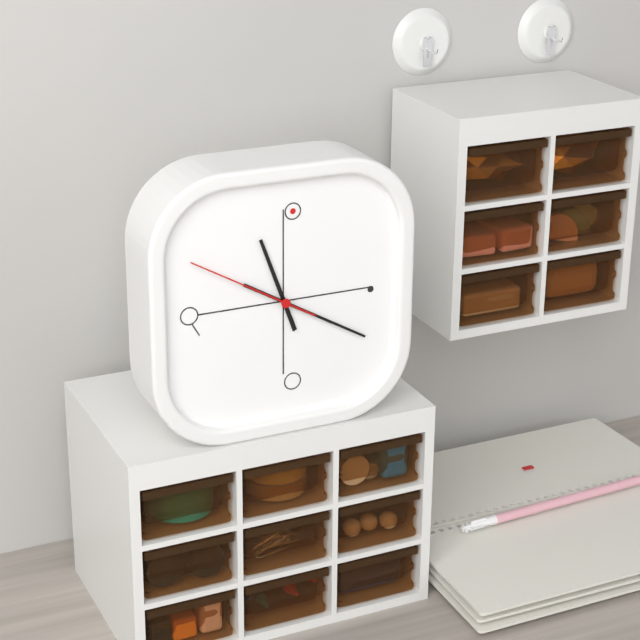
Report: **11:20:50**
